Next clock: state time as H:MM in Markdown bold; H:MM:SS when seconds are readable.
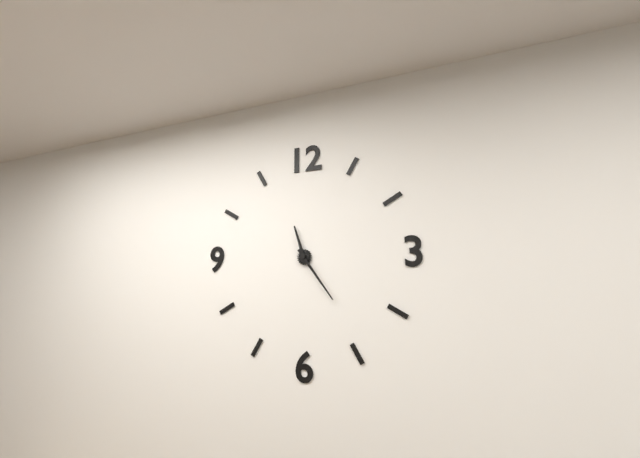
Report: **11:24**
